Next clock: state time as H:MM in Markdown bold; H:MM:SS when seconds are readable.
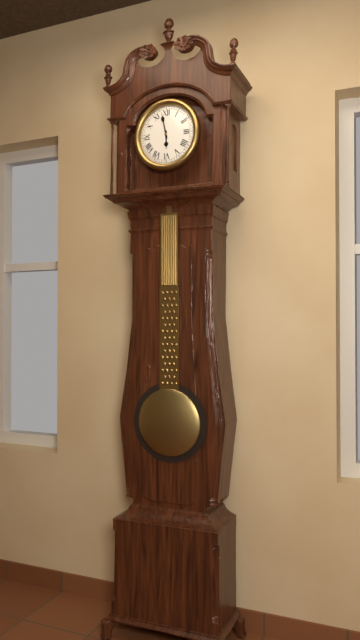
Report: **5:58**
